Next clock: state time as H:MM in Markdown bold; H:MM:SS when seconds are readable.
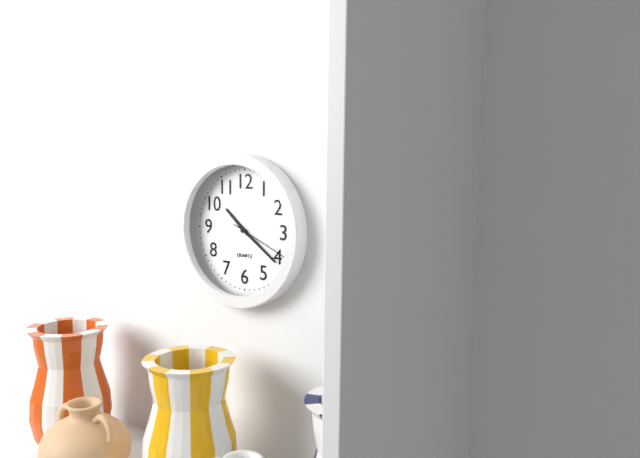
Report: **10:21:19**
